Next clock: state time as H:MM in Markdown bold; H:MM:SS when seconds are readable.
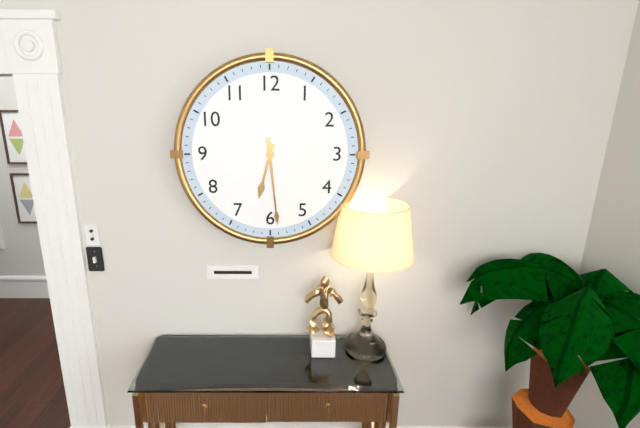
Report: **6:29**
